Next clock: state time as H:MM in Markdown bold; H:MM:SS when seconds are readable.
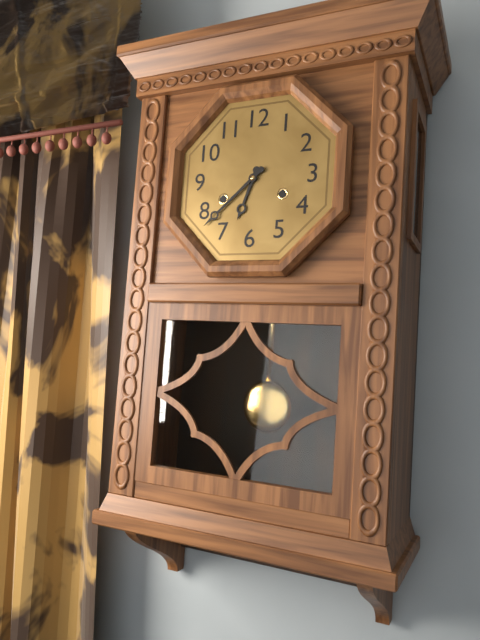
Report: **6:38**
